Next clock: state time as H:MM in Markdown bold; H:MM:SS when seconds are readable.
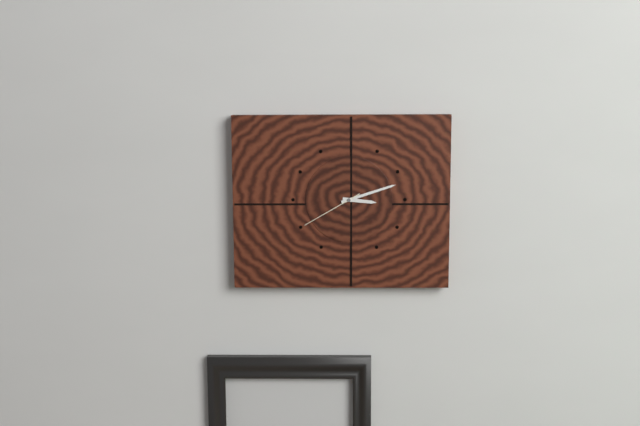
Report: **3:12:40**
